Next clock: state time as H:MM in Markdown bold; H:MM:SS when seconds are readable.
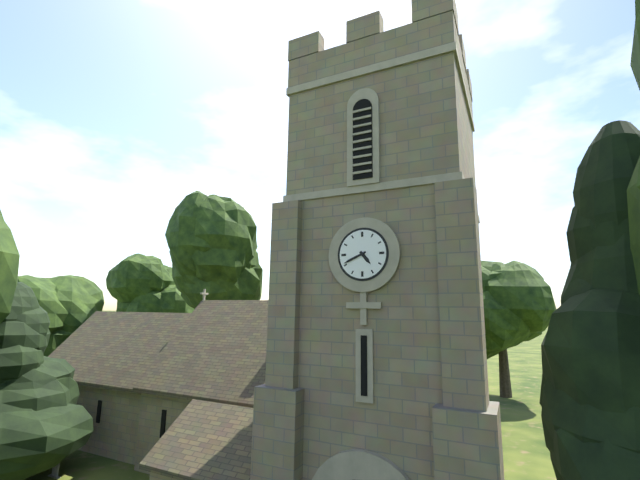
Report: **4:41**
